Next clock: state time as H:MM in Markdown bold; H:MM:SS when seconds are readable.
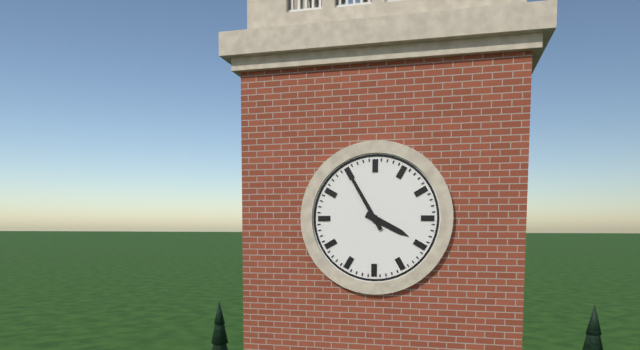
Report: **3:55**
